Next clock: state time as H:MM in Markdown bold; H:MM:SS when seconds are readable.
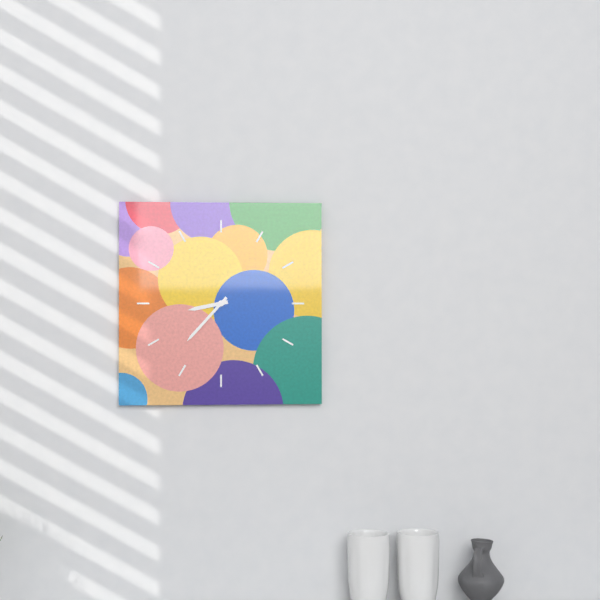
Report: **8:37**
